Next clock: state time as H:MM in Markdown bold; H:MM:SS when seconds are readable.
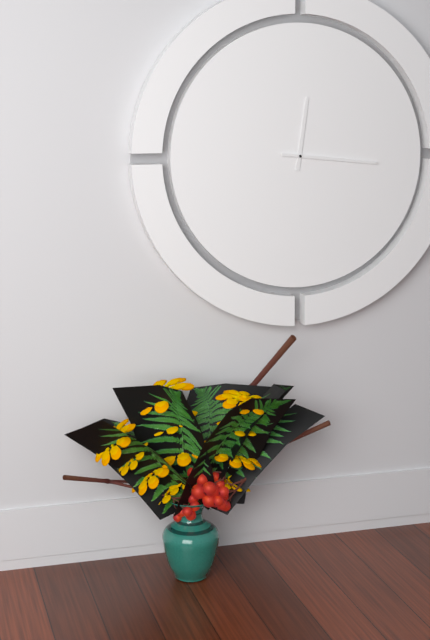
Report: **12:16**
